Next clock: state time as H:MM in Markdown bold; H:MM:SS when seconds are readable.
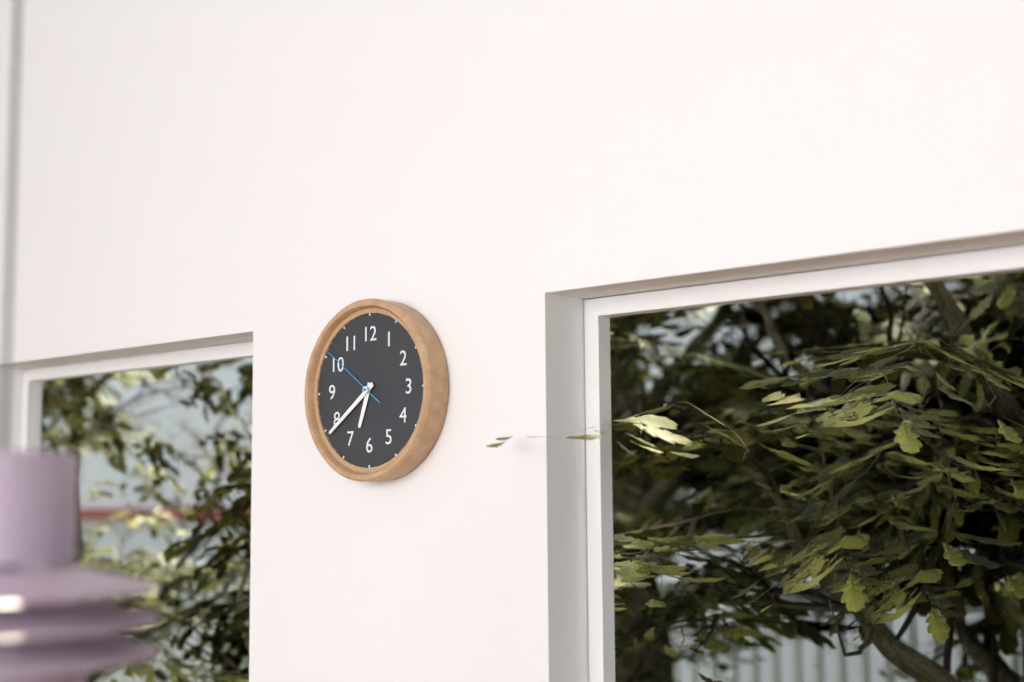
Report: **6:39:51**
